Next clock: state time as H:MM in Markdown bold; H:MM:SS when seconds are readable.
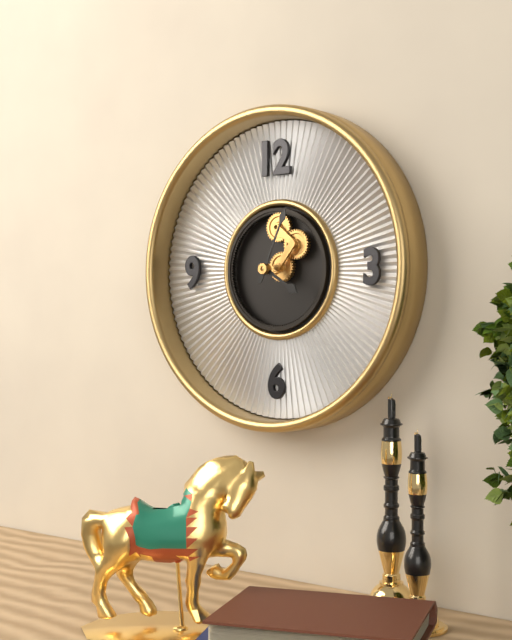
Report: **4:04**
